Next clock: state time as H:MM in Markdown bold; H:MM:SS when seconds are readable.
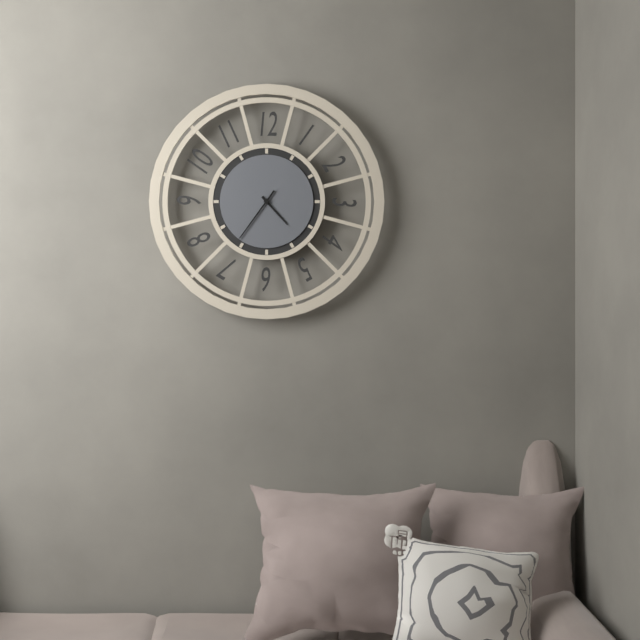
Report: **4:36**
